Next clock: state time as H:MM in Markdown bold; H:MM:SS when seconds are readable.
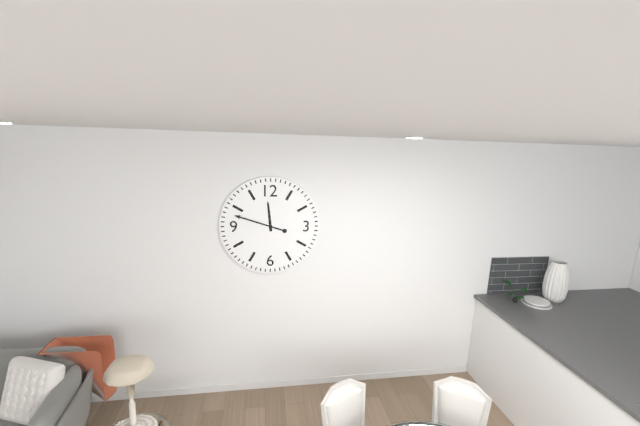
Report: **11:48**
